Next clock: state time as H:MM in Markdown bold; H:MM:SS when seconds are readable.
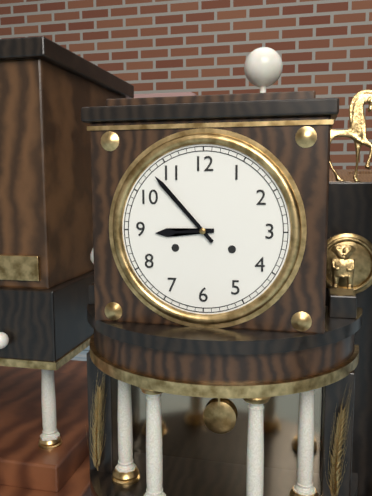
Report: **8:53**
